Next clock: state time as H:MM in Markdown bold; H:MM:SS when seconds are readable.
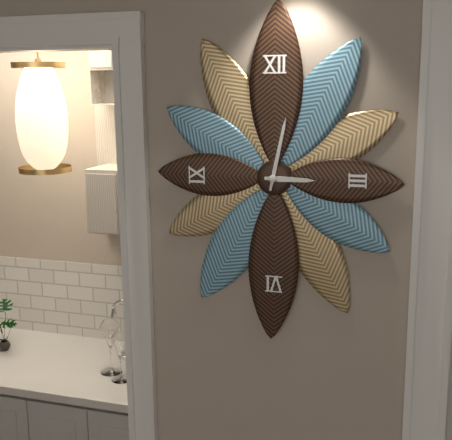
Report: **3:02**
